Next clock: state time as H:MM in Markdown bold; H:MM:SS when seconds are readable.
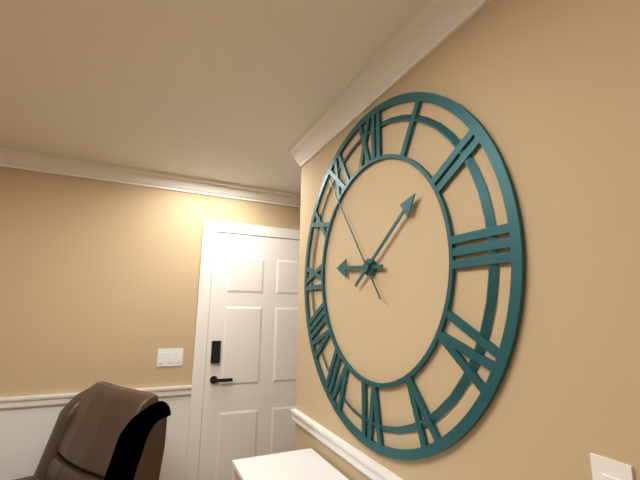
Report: **9:09:54**
